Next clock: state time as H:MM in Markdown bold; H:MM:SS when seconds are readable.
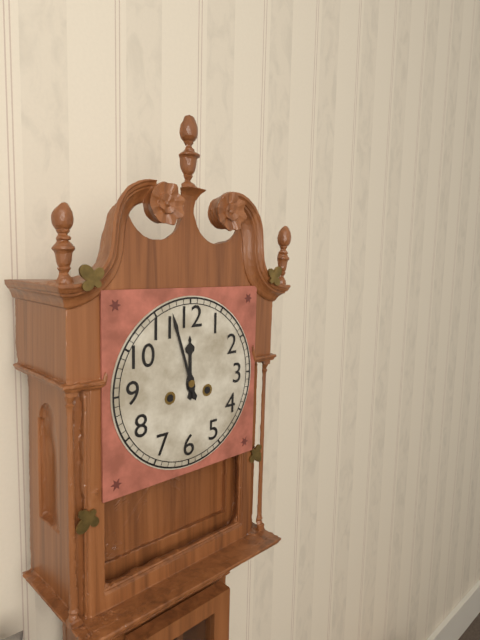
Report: **11:57**
